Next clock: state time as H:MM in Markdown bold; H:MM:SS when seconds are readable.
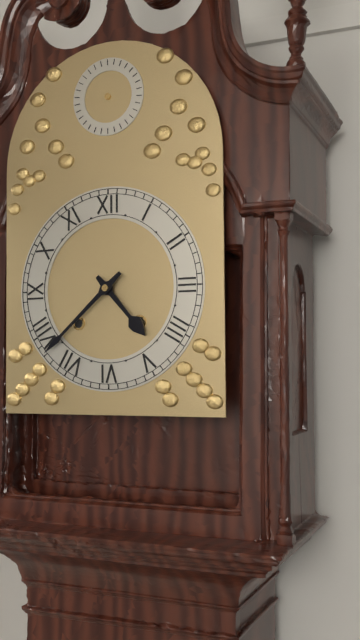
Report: **4:38**
